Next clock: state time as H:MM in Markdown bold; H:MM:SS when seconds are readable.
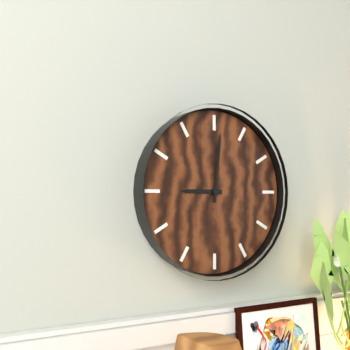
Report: **9:01**
